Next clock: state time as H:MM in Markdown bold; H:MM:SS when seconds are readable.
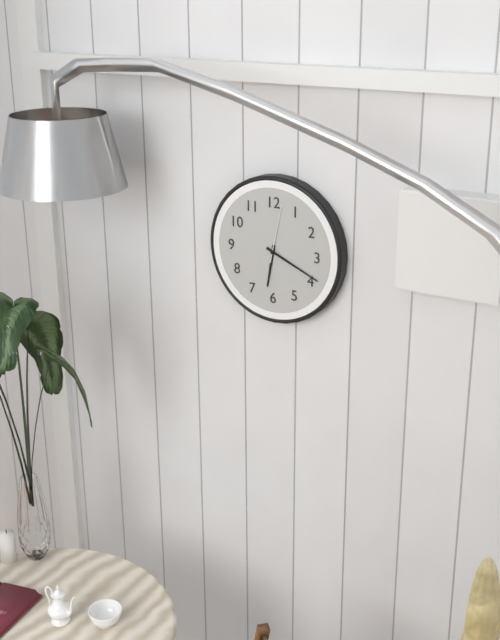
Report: **6:19:02**
